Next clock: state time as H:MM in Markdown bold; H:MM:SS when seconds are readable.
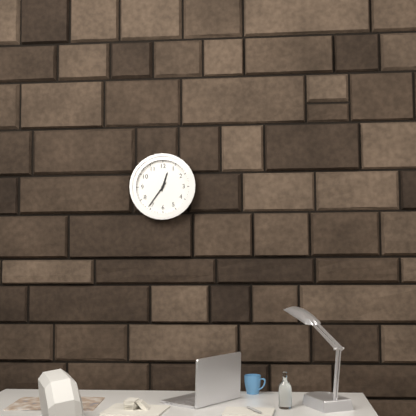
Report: **12:36**
